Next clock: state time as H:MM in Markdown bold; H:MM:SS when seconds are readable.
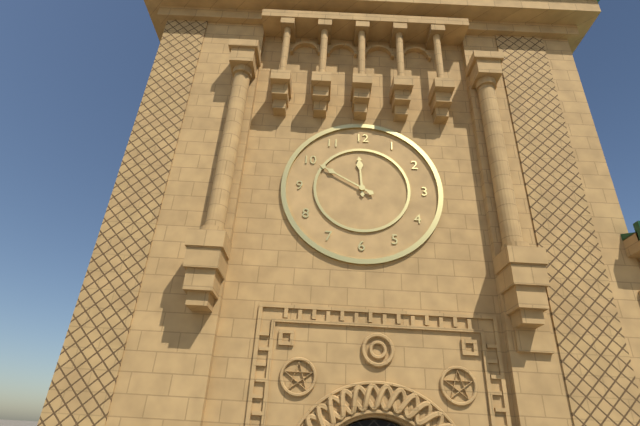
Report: **11:50**
